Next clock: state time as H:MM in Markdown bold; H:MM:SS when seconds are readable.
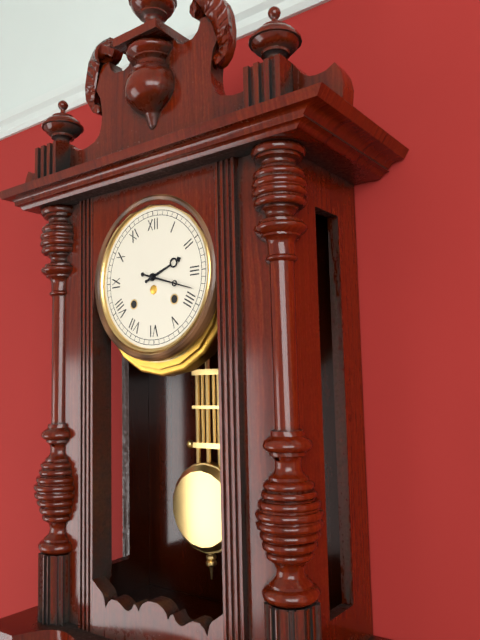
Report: **2:18**
